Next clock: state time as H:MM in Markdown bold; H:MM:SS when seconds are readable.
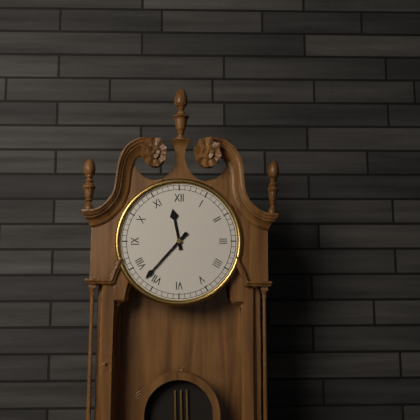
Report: **11:37**
